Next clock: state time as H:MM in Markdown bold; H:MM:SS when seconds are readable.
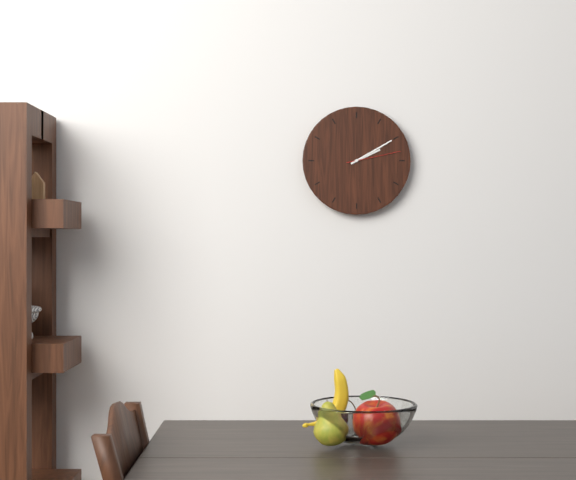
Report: **2:10:13**
